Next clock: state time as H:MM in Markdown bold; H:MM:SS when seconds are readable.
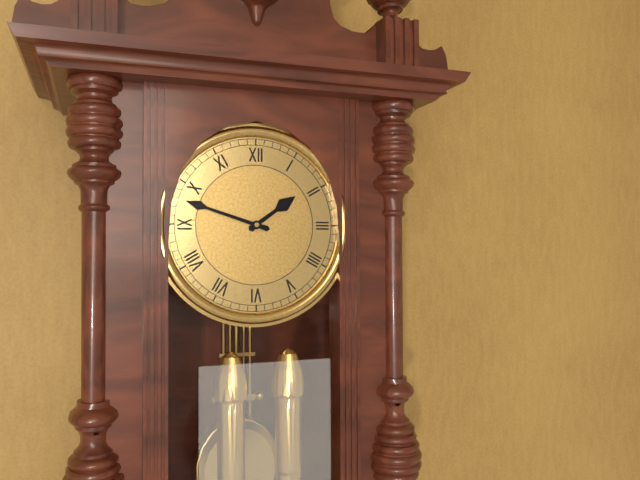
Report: **1:48**
